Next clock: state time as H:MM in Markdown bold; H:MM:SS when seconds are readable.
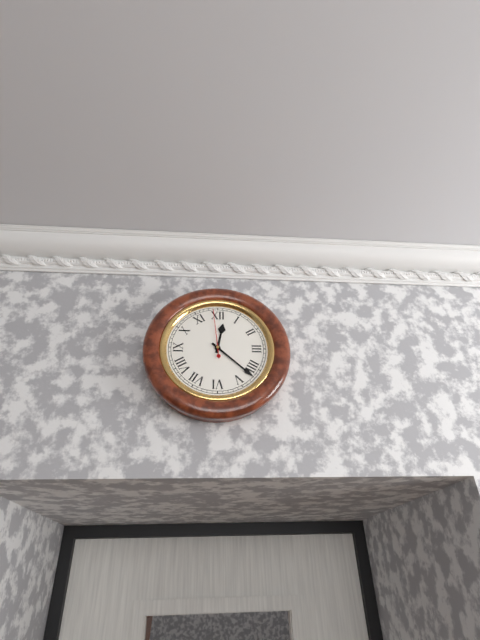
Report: **12:22**
